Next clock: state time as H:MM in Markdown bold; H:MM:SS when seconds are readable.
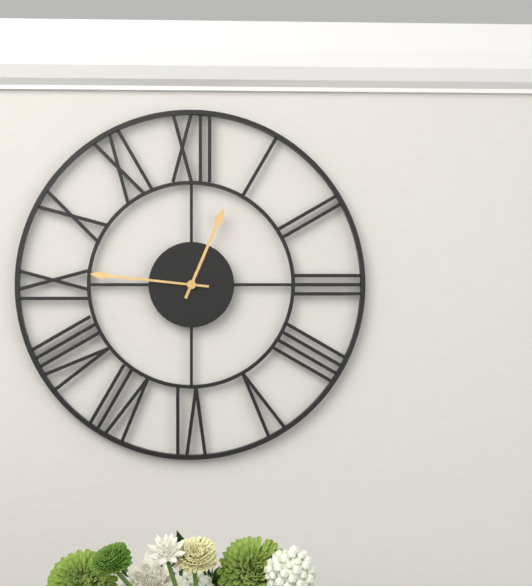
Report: **12:46**
